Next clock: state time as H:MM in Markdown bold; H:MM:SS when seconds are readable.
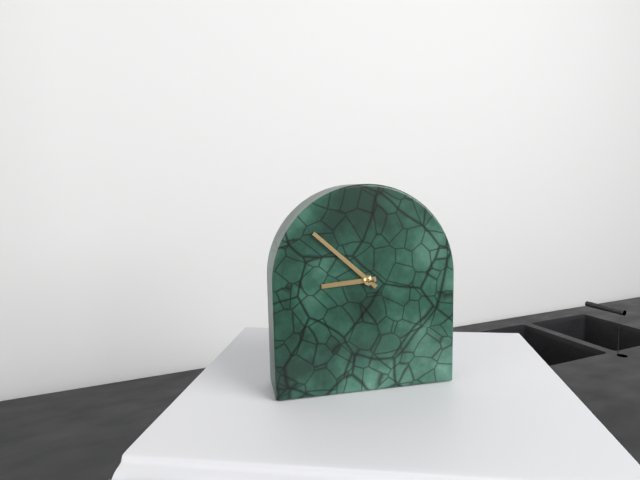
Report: **8:52**
